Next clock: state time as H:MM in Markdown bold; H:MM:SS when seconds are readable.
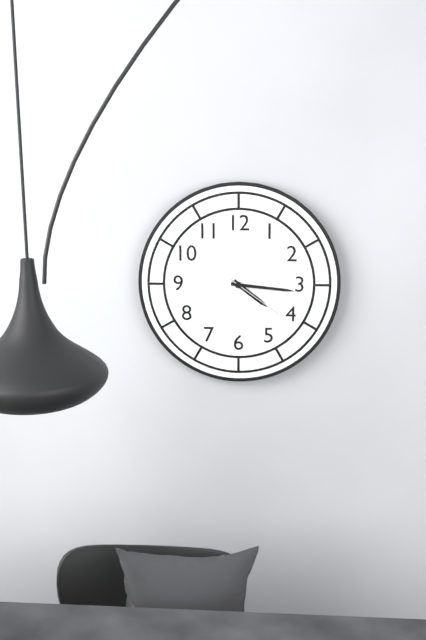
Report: **4:16:21**
